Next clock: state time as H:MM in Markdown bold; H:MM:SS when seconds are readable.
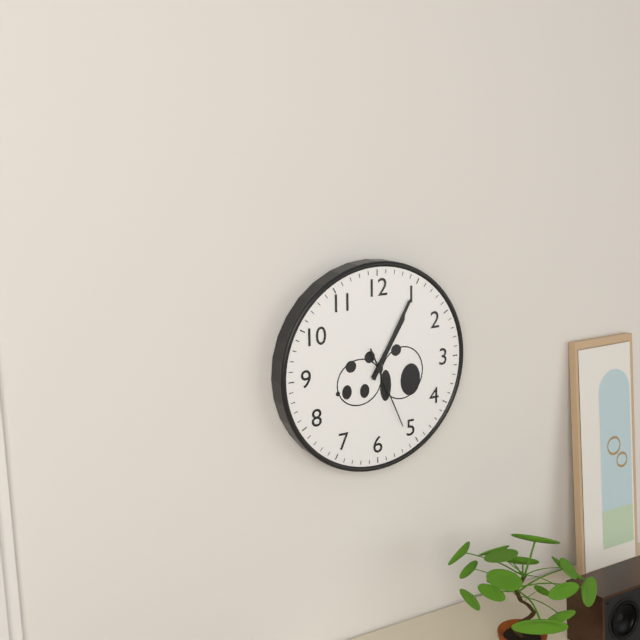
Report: **1:05:26**
